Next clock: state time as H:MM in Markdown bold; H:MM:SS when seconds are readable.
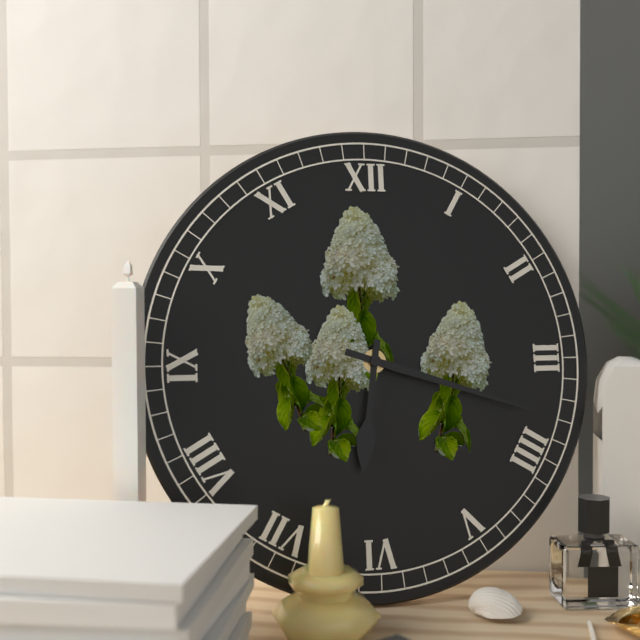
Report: **6:18**
